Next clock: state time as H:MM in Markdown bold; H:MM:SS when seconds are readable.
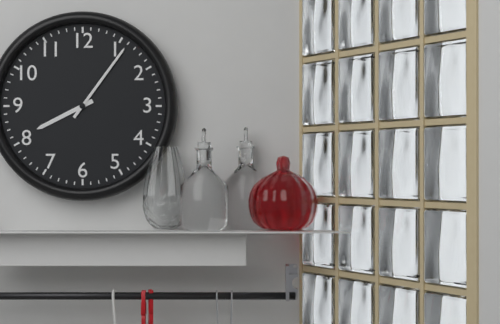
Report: **8:06**
